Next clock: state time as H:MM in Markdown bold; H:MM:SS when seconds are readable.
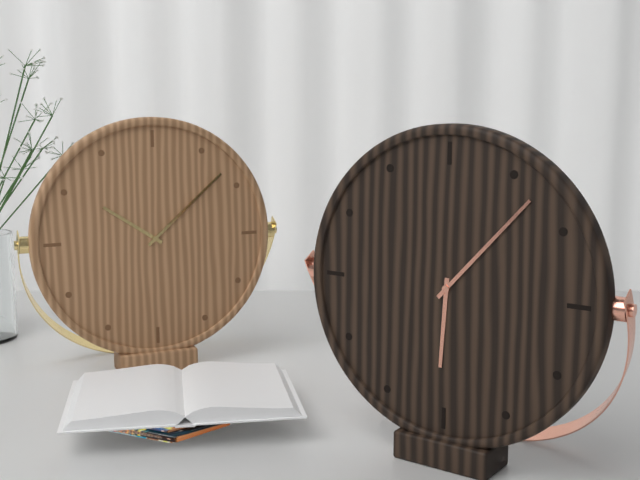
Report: **6:07**
